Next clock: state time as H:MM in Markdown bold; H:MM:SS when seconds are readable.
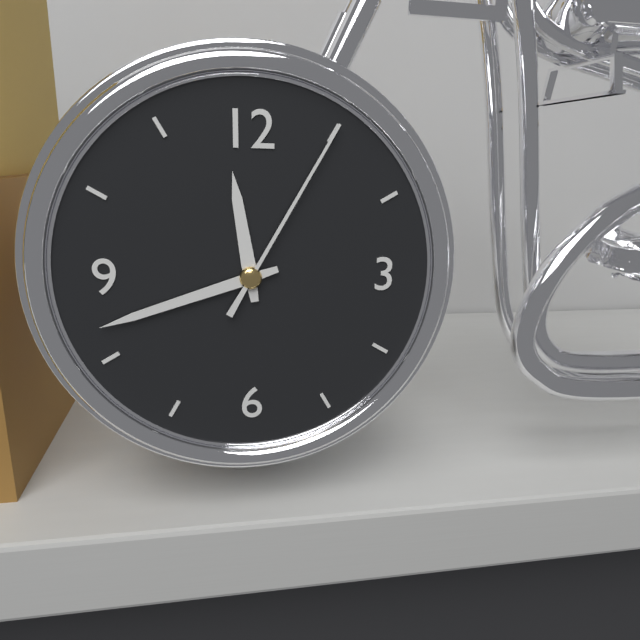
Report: **11:42:05**
